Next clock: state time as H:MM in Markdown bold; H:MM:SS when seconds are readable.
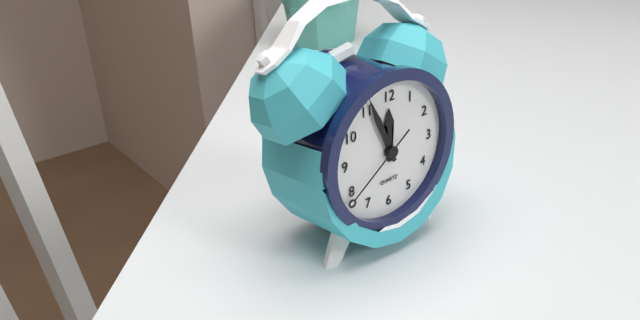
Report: **11:56:39**
